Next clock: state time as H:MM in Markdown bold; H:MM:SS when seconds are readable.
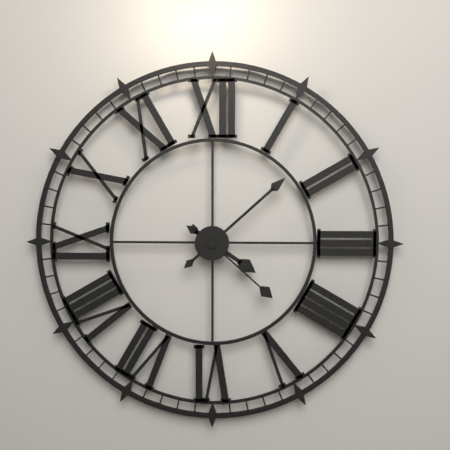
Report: **4:08:22**
